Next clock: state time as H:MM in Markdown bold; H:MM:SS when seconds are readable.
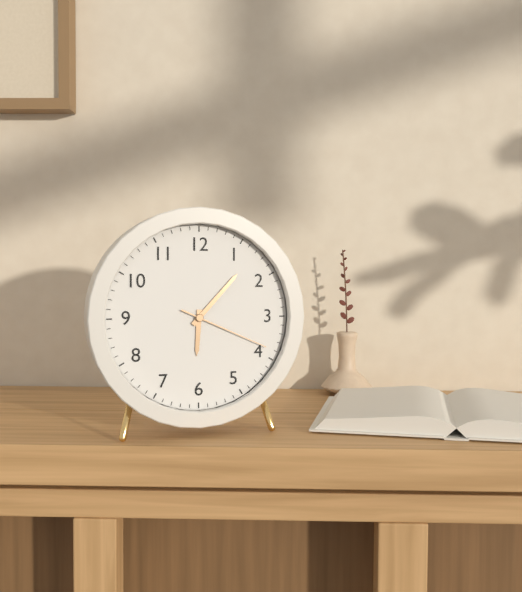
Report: **6:07:19**
